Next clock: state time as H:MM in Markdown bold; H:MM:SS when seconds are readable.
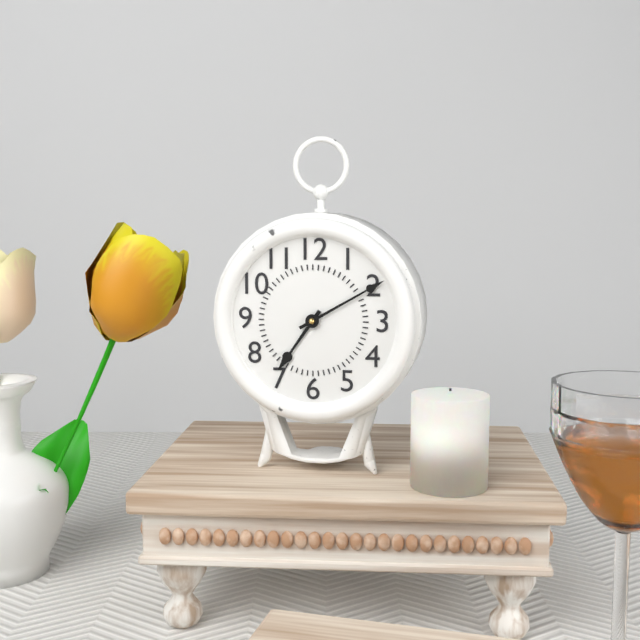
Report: **7:10**
